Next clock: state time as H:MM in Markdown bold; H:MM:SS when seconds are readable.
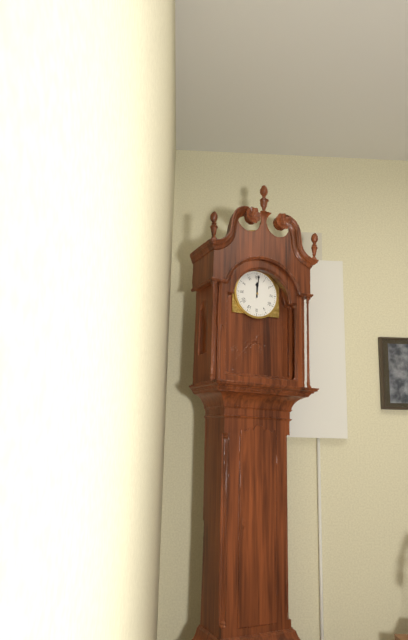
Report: **12:01**
